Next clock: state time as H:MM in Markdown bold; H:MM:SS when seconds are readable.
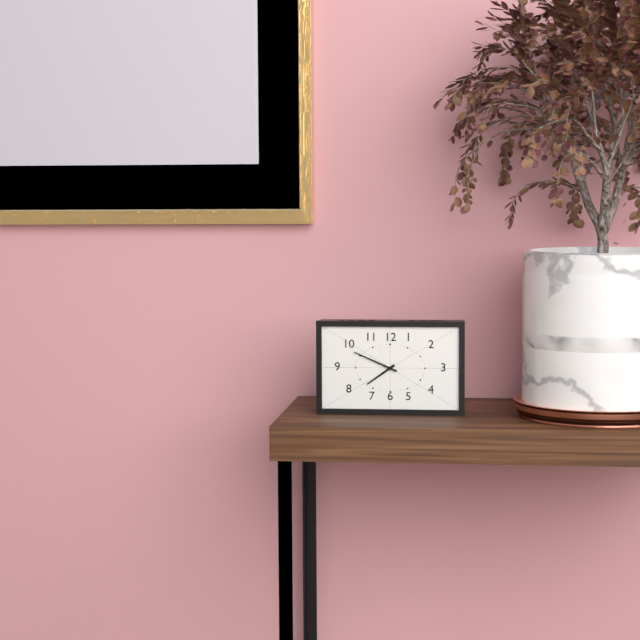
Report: **7:49**
